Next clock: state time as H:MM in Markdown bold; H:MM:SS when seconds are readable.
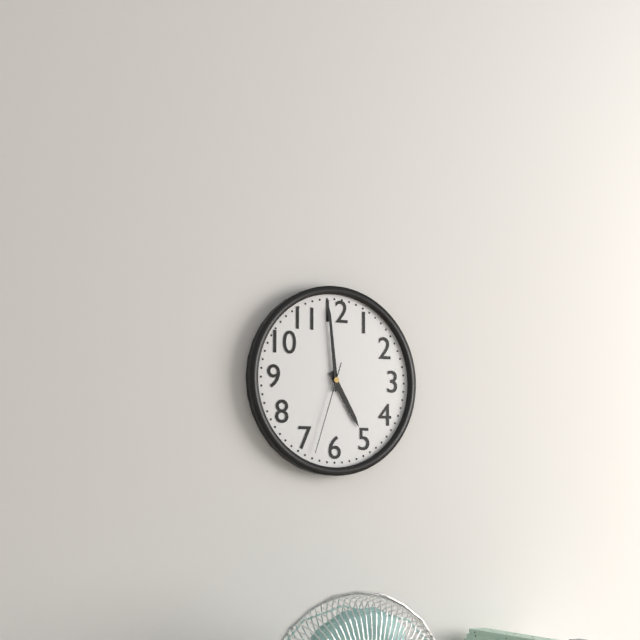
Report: **4:59:33**
